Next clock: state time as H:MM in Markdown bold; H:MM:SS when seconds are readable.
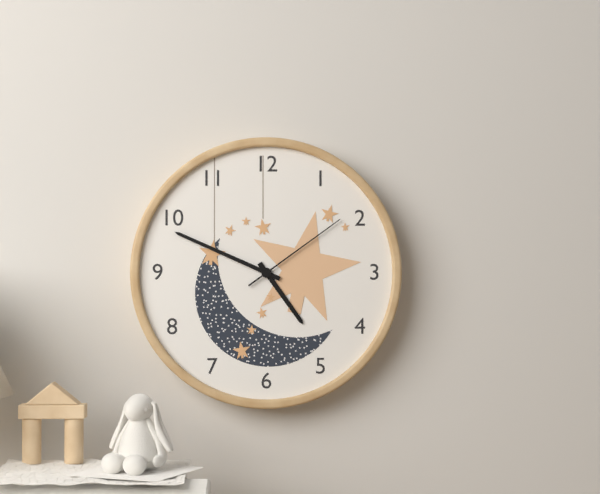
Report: **4:49:09**
